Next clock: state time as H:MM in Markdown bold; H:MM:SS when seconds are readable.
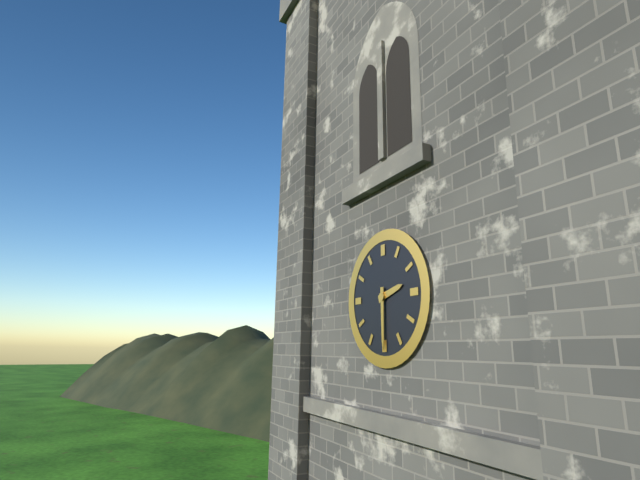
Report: **2:30**
